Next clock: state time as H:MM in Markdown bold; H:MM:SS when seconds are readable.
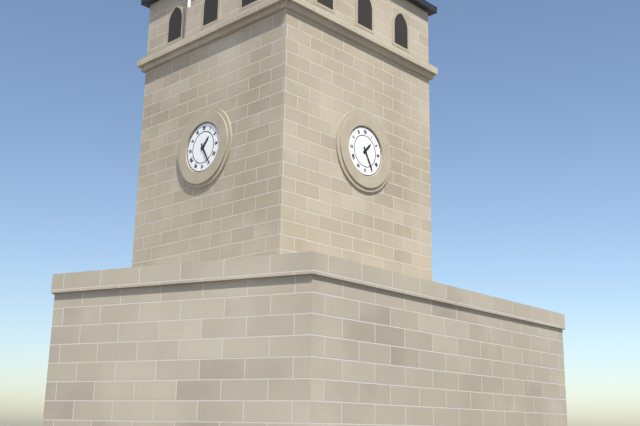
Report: **1:25**
